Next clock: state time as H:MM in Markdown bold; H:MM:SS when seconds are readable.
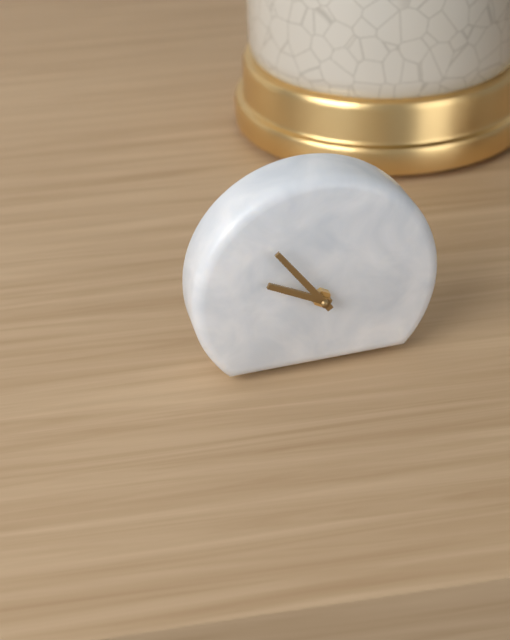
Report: **9:54**
